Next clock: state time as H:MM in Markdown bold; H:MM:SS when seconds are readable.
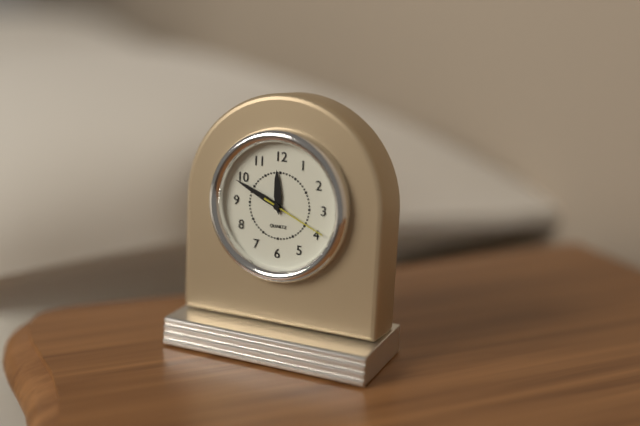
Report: **11:49:19**
